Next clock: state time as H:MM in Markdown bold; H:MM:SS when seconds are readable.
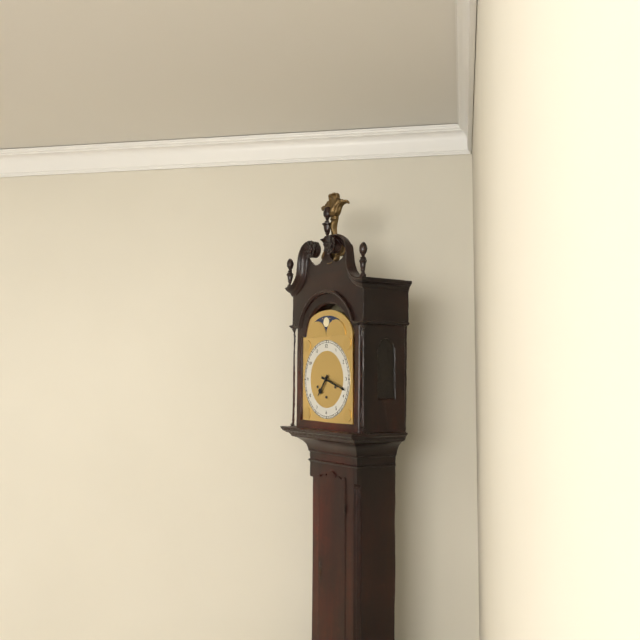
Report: **7:18**
